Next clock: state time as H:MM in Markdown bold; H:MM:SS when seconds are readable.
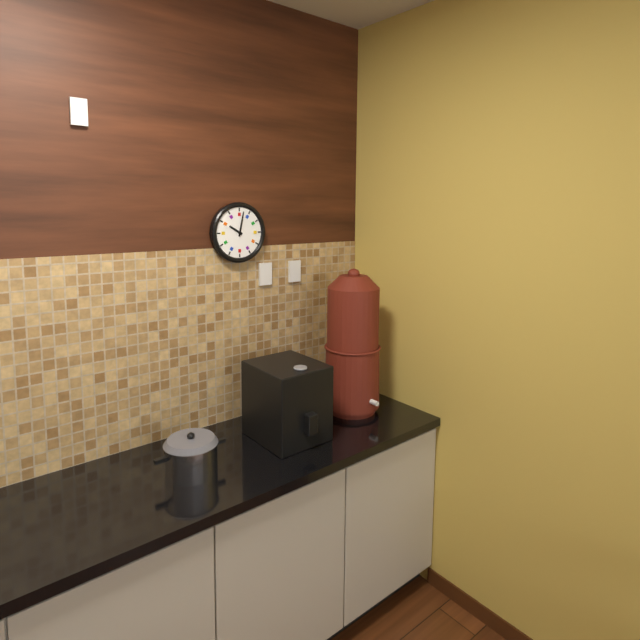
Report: **10:02**
